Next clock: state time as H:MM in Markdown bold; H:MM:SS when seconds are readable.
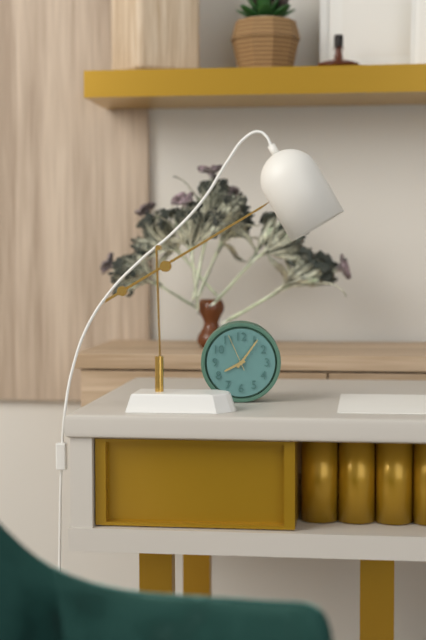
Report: **8:06**
